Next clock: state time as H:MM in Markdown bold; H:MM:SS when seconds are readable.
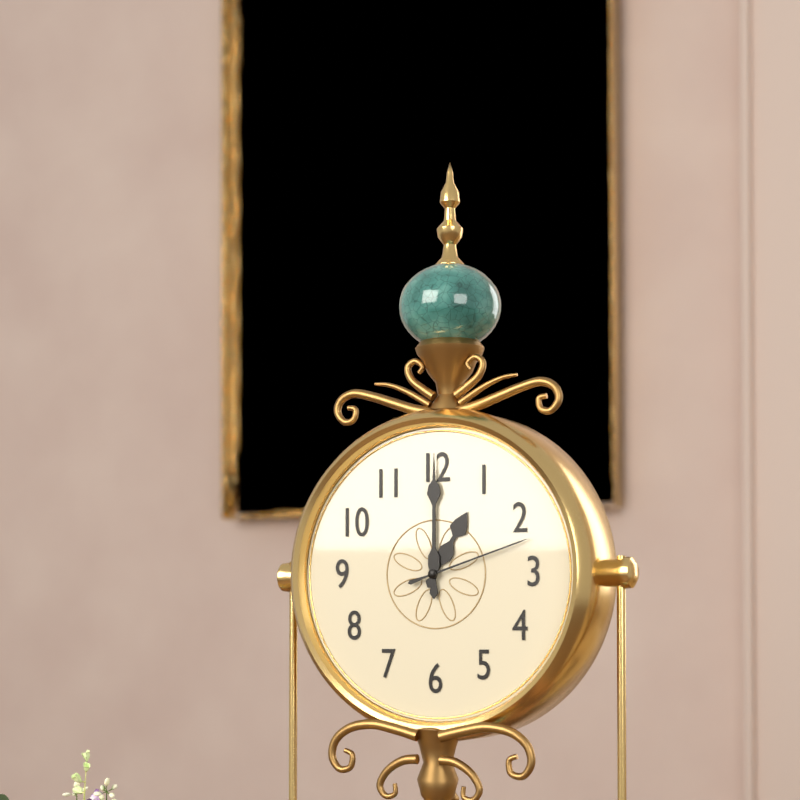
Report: **1:00:12**
